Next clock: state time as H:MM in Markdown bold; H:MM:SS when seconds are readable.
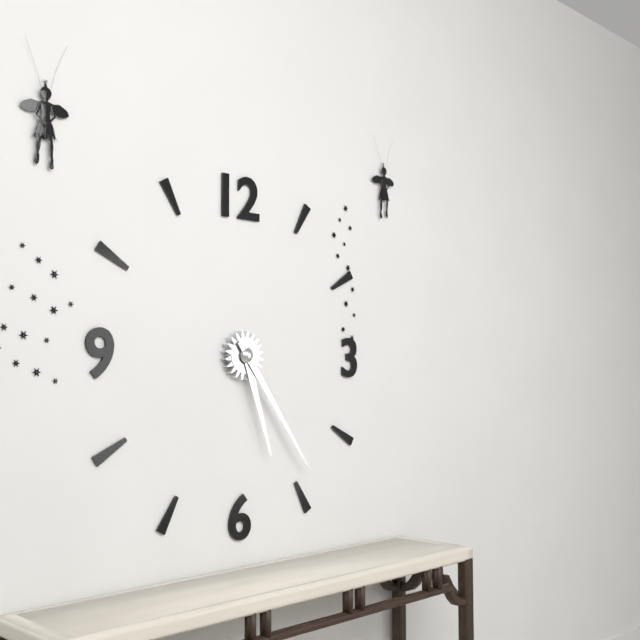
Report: **5:24**
